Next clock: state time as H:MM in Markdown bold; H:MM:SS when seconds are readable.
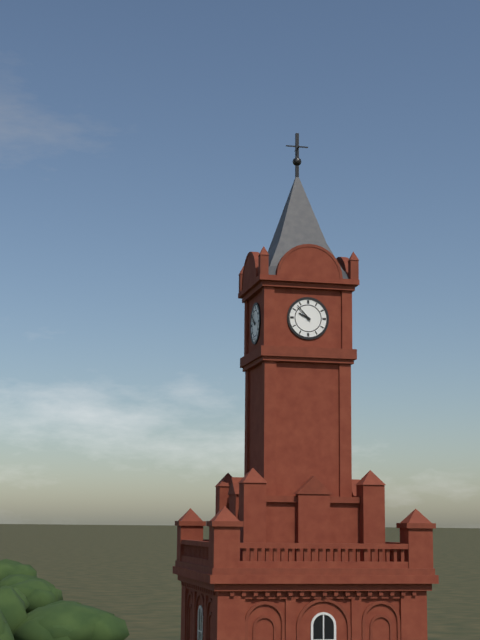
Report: **9:53**
